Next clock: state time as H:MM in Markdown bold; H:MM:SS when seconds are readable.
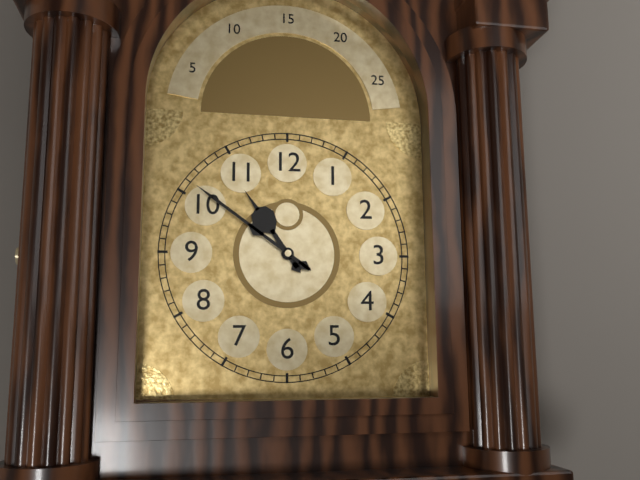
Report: **10:51**
